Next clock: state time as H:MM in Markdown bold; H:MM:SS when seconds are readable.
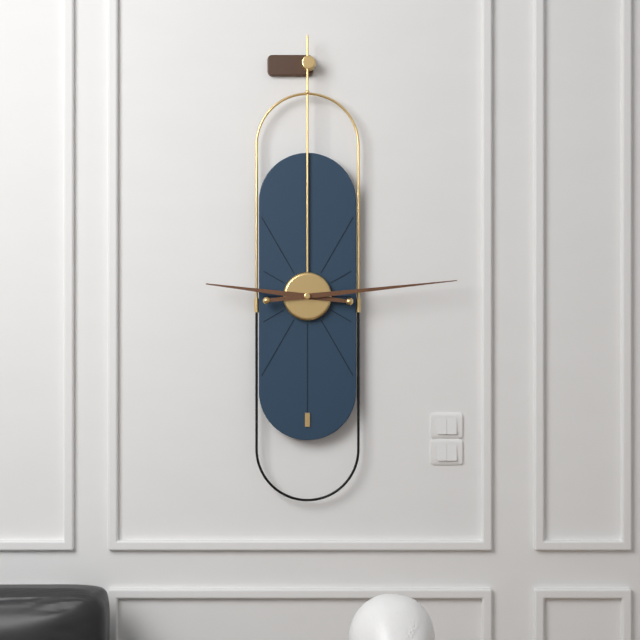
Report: **9:14**
